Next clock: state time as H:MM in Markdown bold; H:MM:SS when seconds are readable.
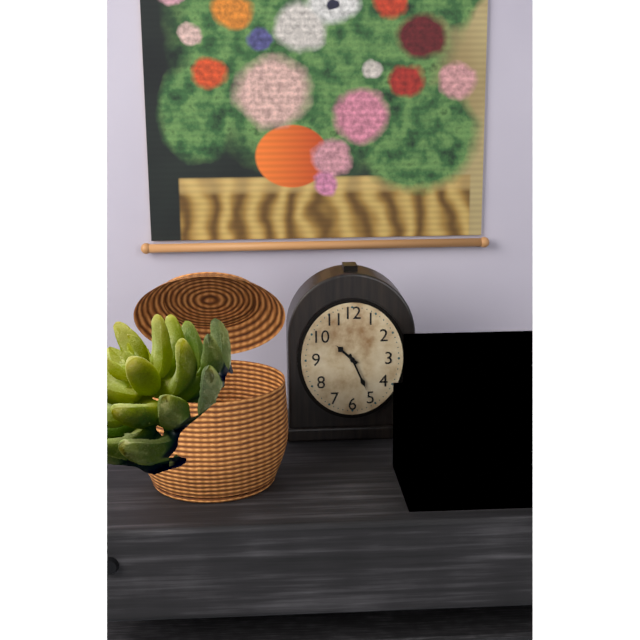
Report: **10:26**
